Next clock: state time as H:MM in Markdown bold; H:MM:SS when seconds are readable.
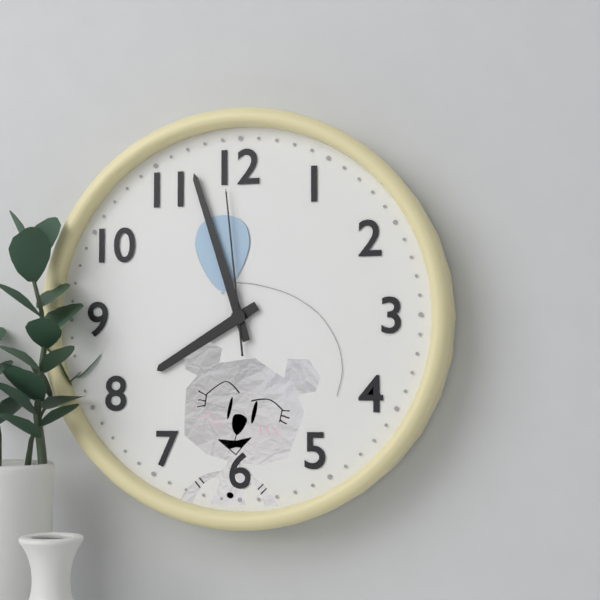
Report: **7:57:59**
